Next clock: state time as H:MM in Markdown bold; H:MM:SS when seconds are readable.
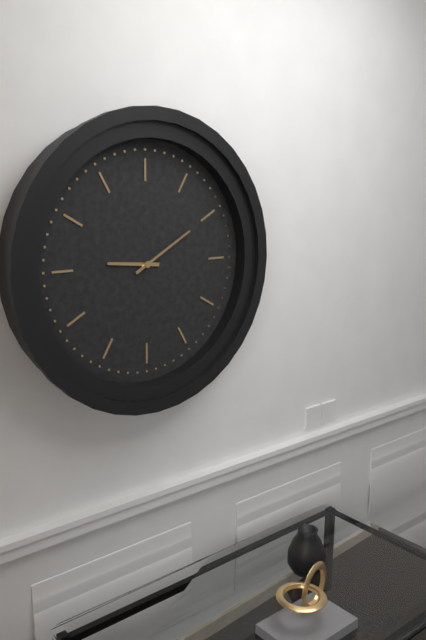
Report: **9:10**
